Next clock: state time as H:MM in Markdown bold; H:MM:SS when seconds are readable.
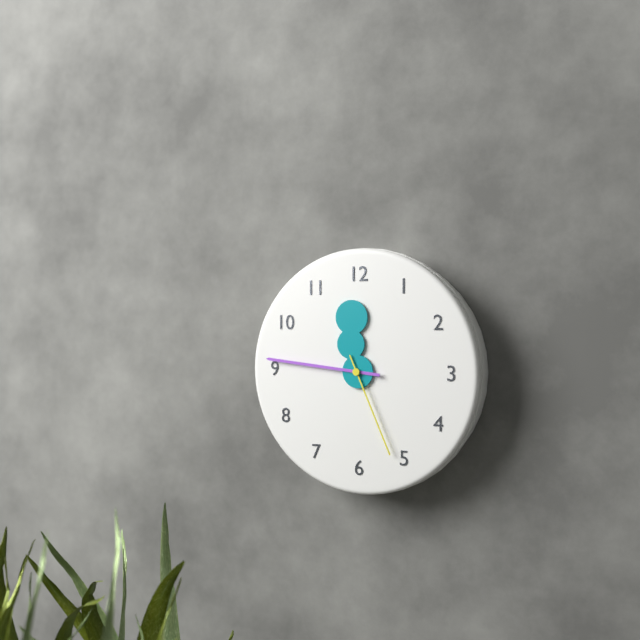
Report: **11:46:26**
